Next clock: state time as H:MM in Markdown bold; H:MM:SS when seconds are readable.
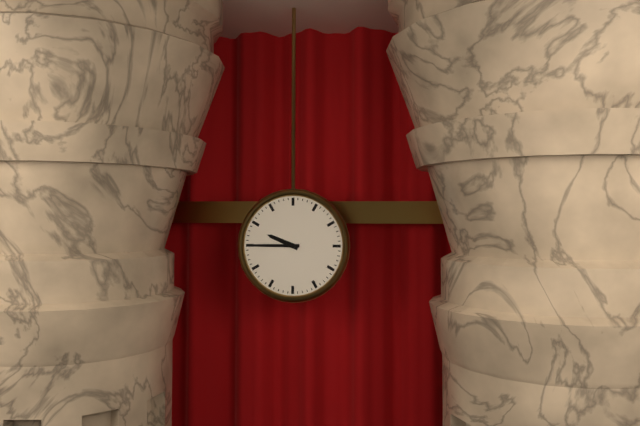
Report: **9:45**
